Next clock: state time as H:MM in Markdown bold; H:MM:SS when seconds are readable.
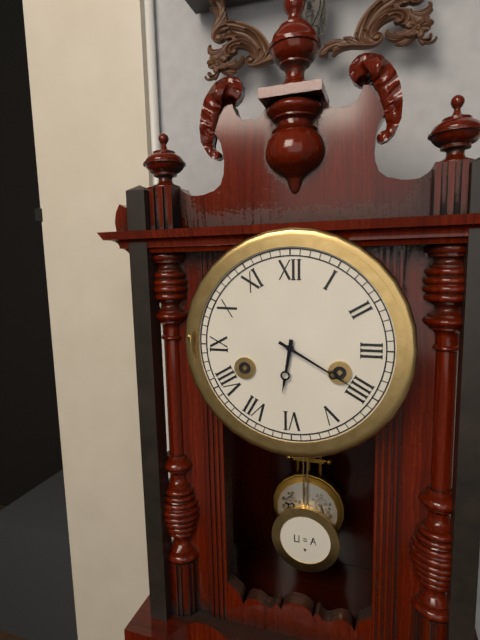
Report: **6:20**
